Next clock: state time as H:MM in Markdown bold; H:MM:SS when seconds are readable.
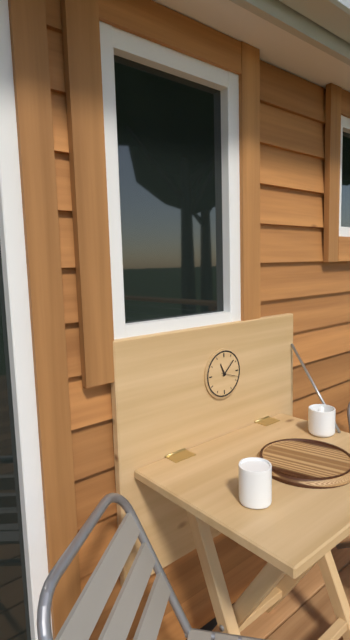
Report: **11:08**
